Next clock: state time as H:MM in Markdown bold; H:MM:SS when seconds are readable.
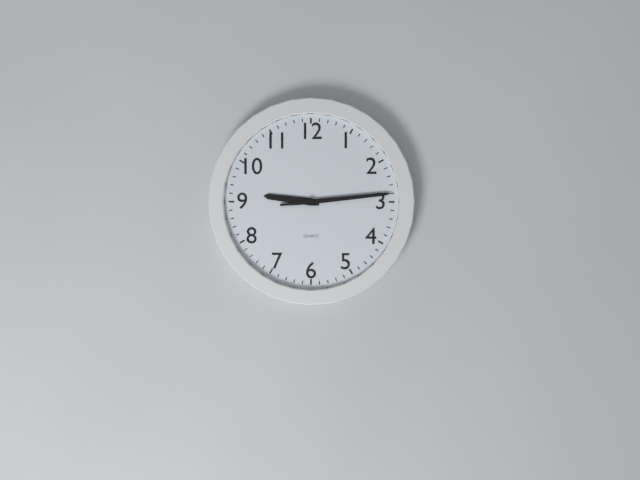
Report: **9:14**
